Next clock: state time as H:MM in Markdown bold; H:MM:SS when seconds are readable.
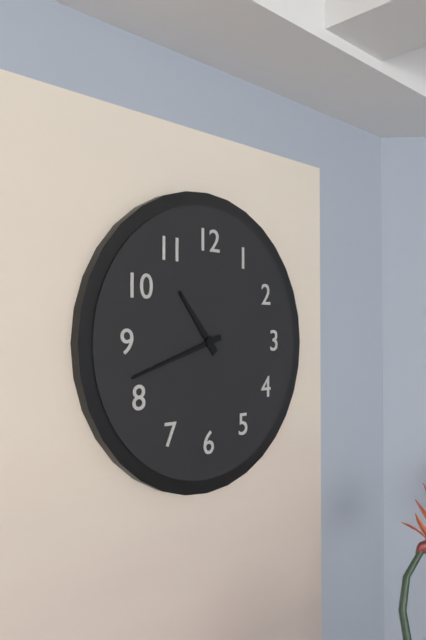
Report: **10:42**
